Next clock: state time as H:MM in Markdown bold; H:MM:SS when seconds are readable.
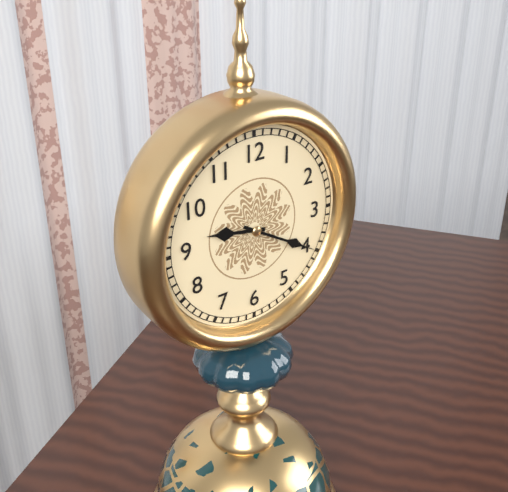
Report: **9:20**
